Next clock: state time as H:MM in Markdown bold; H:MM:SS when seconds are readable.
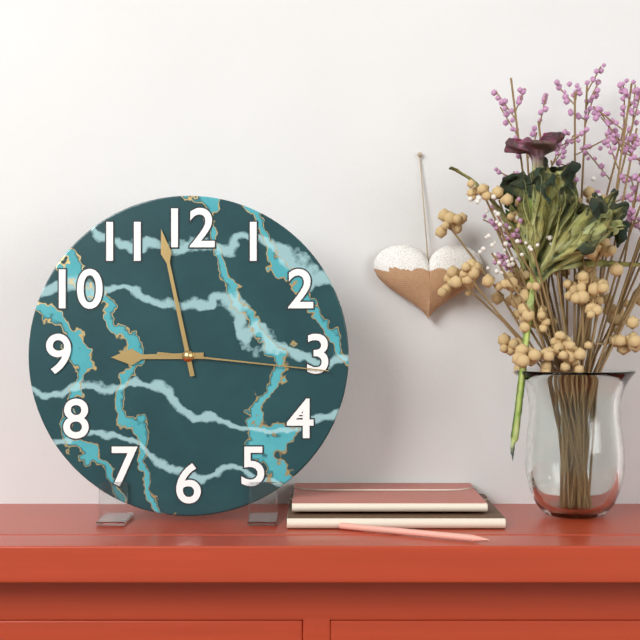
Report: **8:58:16**
